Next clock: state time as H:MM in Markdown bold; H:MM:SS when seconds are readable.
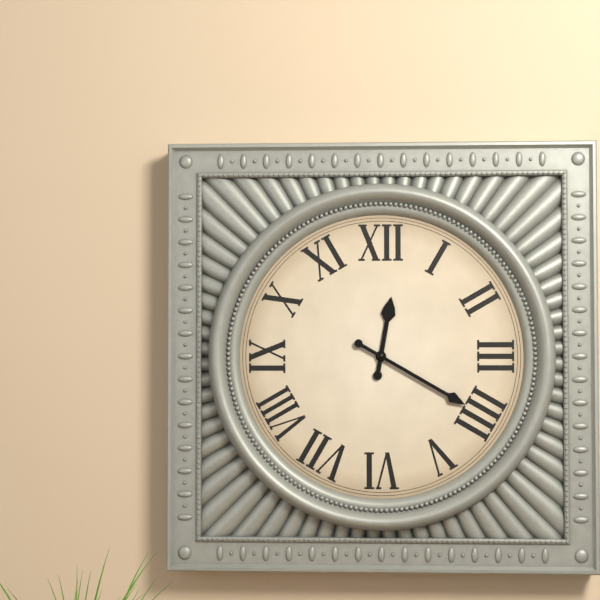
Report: **12:20**
